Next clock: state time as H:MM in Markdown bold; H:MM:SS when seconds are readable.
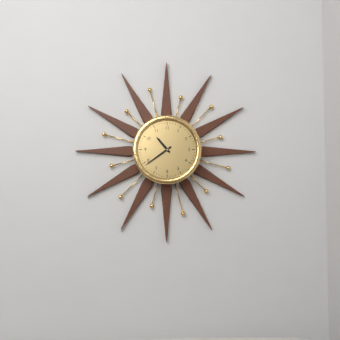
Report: **10:39**
